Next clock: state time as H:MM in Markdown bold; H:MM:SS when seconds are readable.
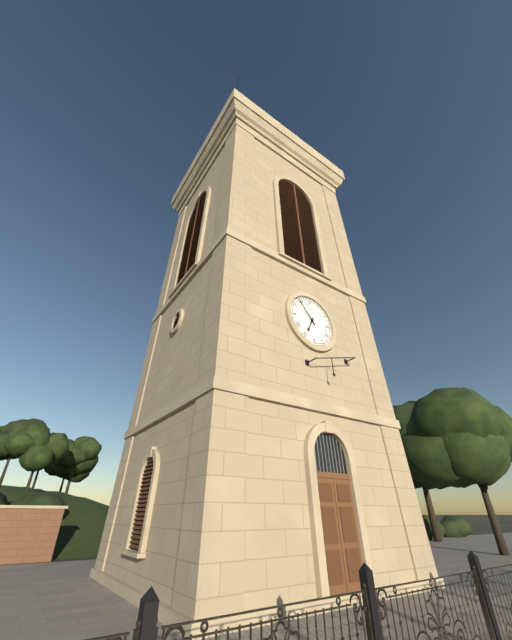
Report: **6:54**
